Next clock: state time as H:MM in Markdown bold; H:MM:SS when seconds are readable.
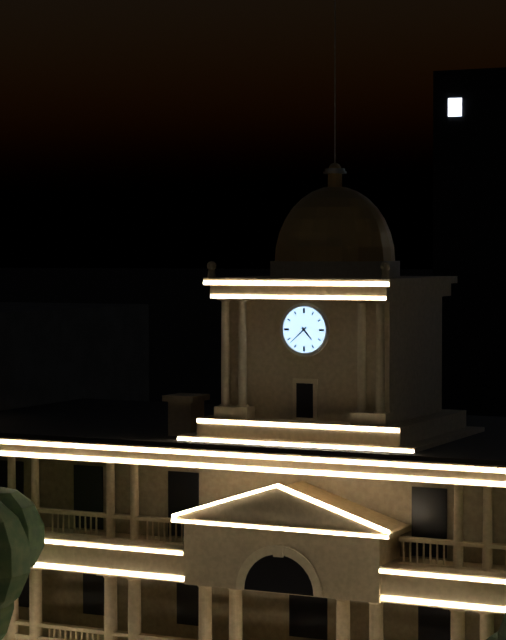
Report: **4:38**
